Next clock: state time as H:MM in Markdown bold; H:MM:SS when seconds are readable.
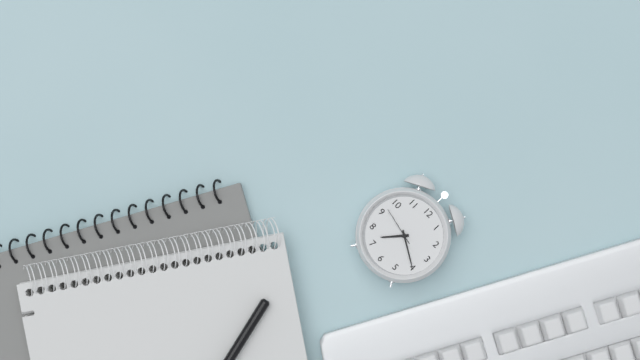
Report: **7:20**
